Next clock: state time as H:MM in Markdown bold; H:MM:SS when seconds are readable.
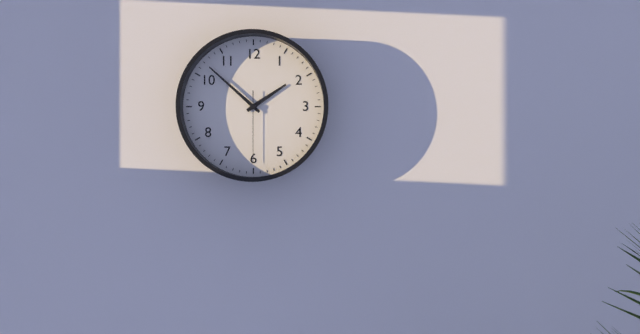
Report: **1:52:30**
